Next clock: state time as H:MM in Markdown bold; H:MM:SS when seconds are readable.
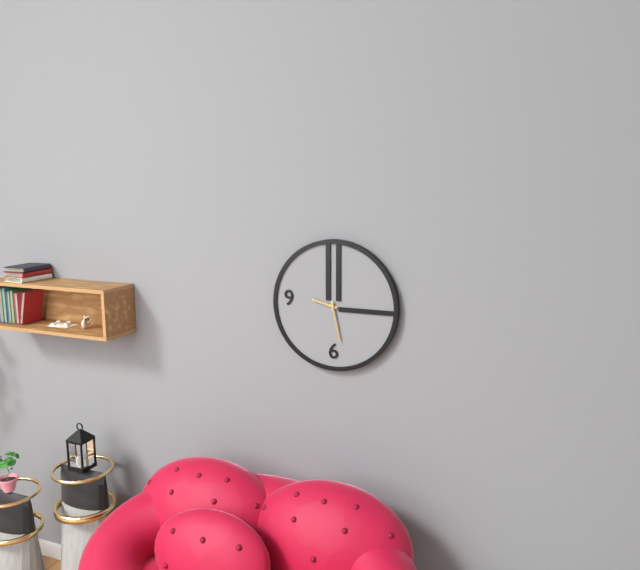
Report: **9:28**
